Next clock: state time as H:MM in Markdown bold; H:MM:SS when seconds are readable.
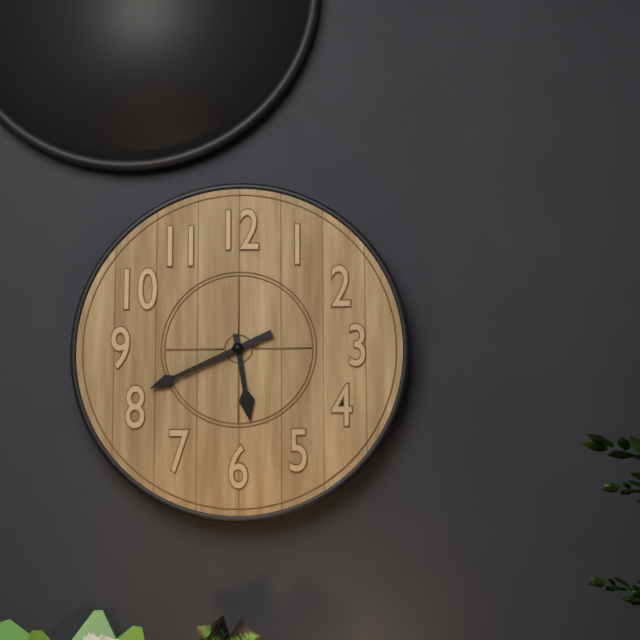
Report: **5:41**
